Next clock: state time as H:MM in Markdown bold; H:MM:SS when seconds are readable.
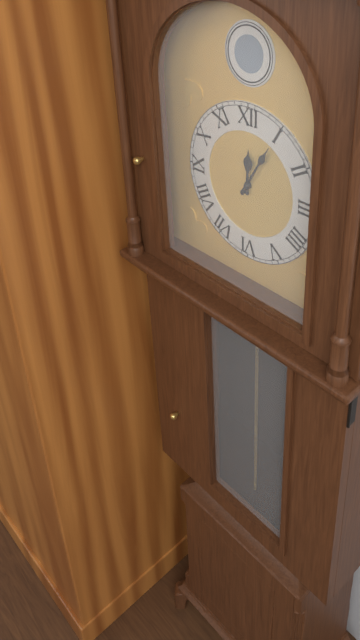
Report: **12:05**
